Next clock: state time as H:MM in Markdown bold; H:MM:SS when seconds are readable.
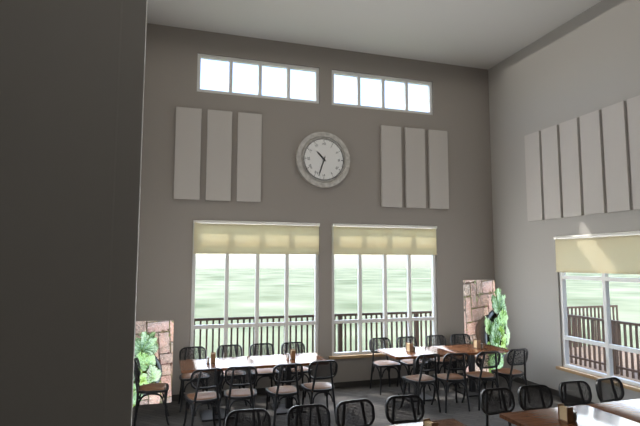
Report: **10:33**
